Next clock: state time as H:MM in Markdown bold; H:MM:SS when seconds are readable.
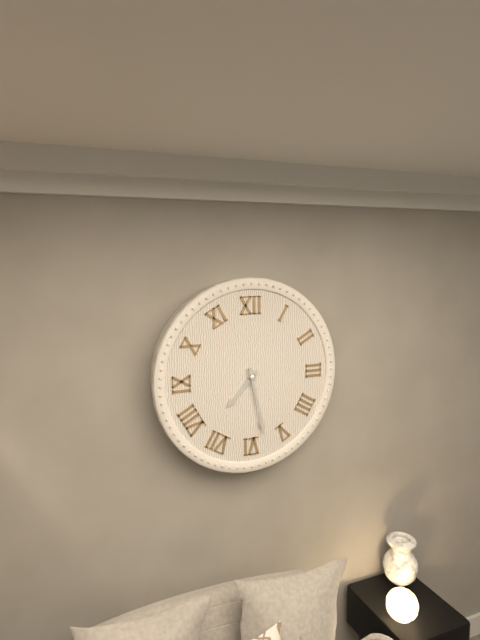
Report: **7:28**
